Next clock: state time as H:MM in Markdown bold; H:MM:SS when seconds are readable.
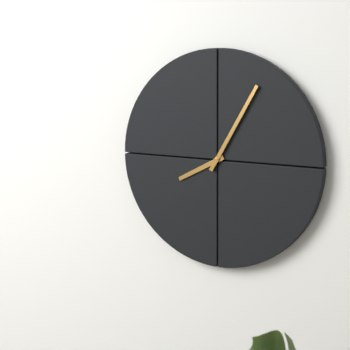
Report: **8:05**
